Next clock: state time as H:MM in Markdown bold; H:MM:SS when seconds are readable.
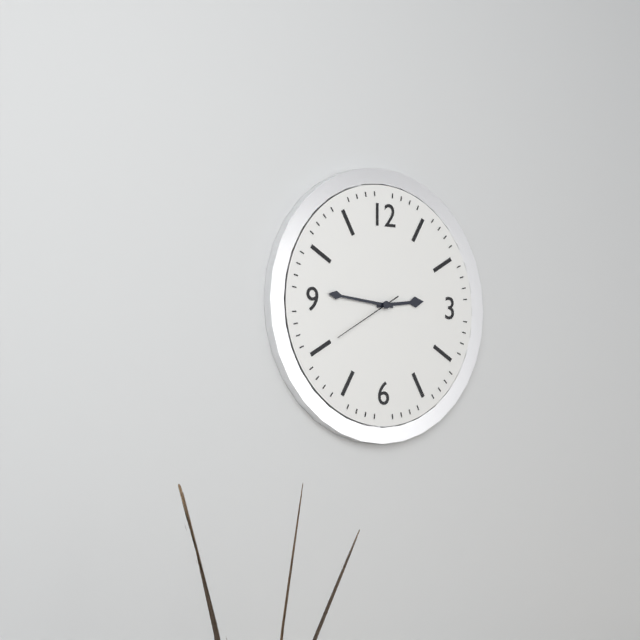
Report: **2:46:40**
